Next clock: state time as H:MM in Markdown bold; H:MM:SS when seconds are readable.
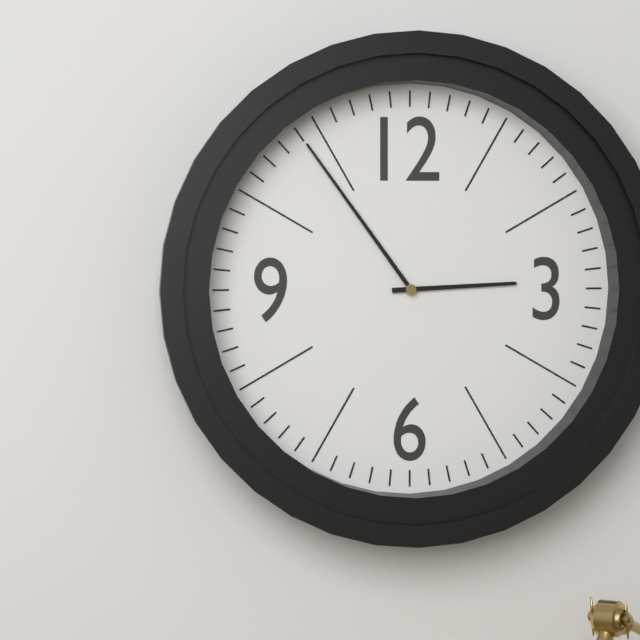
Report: **2:54**
